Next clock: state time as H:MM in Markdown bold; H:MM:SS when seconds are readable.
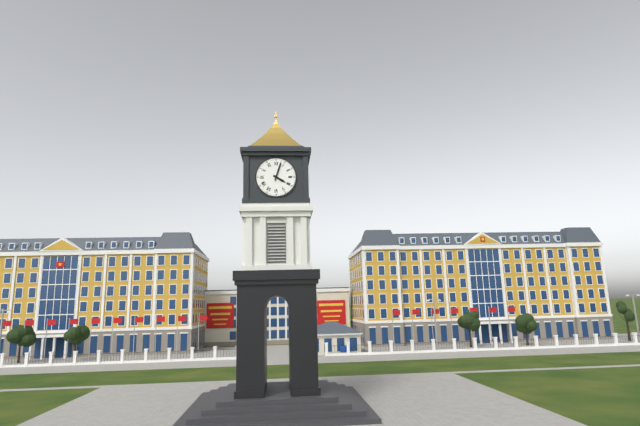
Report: **4:03**
